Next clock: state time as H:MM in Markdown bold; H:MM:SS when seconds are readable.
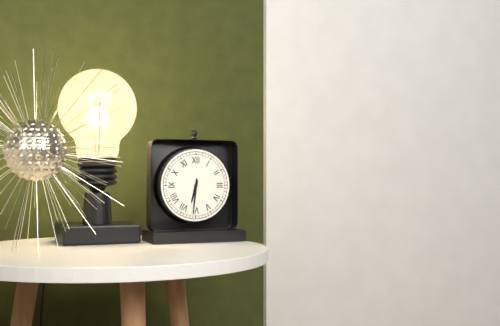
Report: **6:31**
